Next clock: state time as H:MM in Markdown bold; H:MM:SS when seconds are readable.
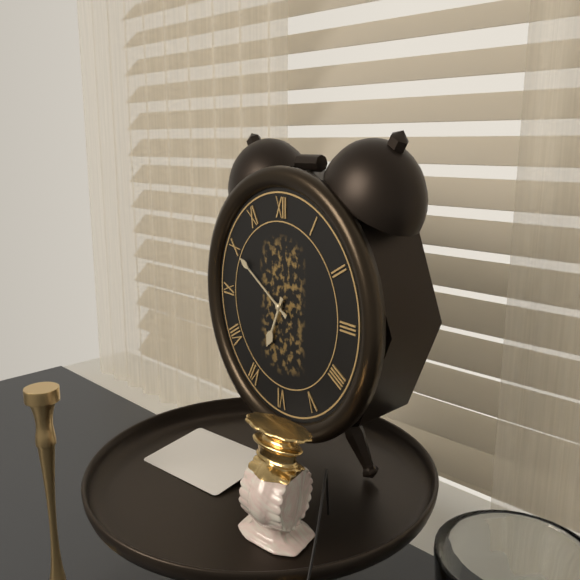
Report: **6:50**
